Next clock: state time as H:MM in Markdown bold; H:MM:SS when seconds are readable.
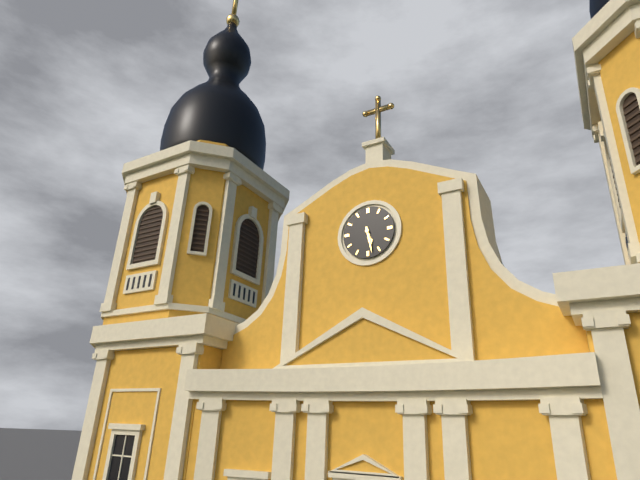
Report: **5:28**
